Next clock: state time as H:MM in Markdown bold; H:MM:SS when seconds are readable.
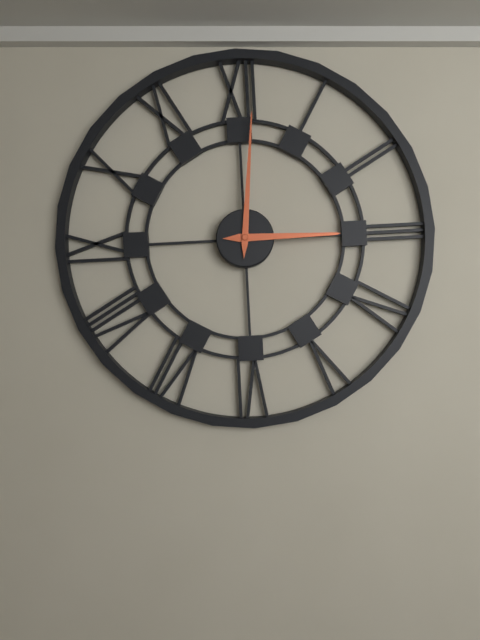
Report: **3:01**
